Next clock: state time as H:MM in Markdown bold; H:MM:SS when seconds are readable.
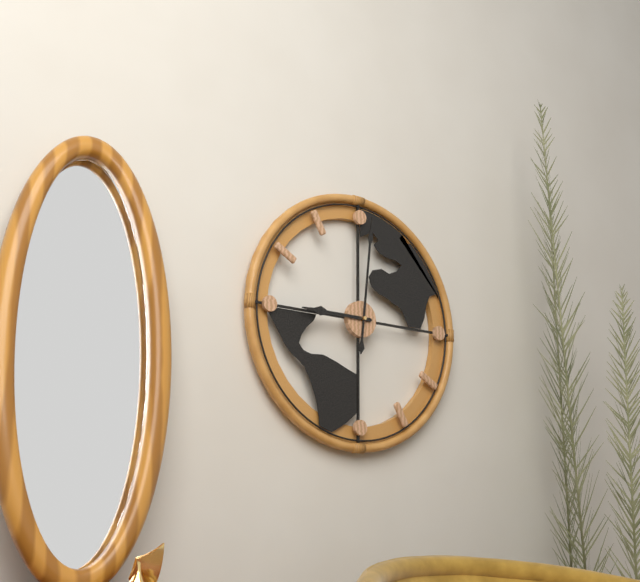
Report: **9:01**
